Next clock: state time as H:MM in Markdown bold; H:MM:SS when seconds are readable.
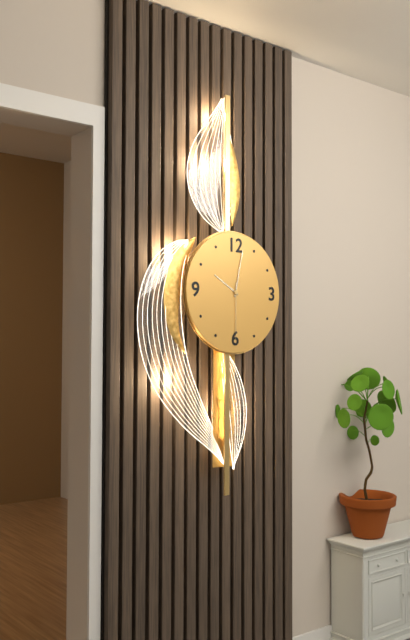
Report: **10:02:30**
